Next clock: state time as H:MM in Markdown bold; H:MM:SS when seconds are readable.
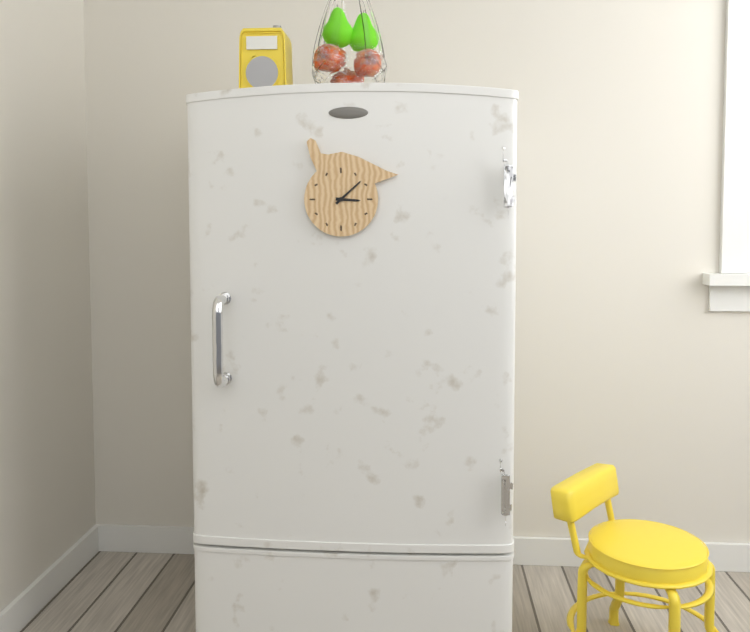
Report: **3:08**
